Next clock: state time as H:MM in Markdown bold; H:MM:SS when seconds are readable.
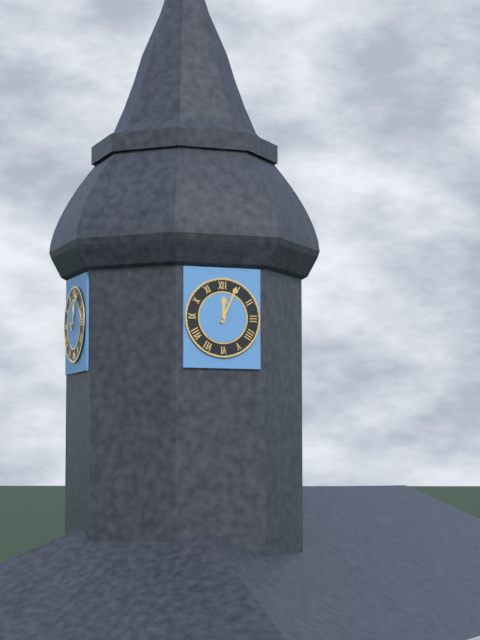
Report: **12:04**
